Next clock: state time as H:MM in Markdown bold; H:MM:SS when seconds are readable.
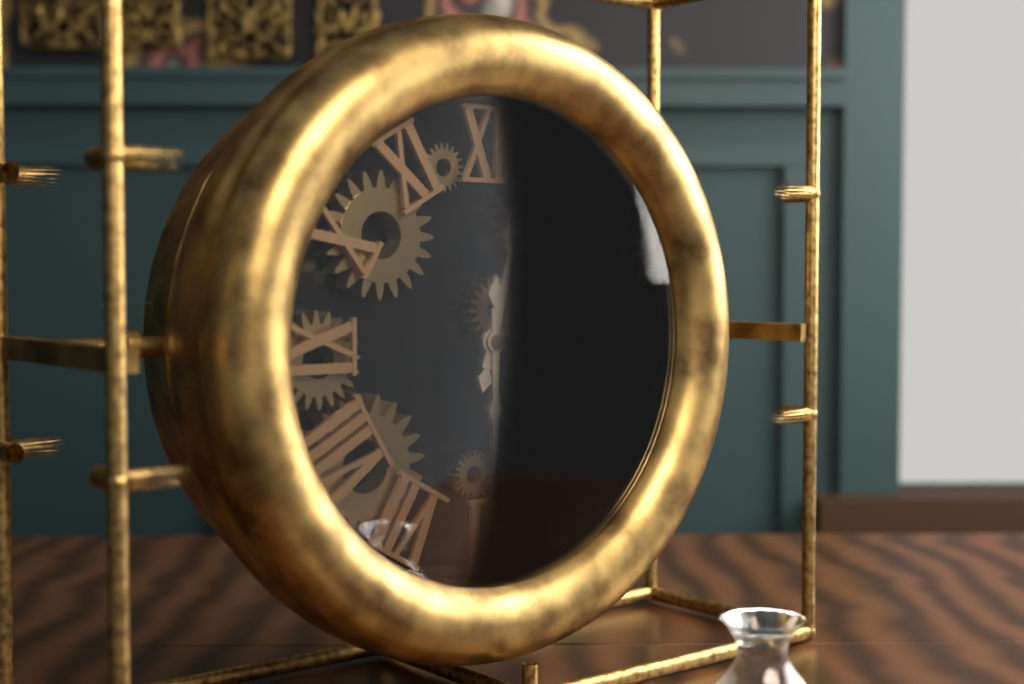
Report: **12:30**
